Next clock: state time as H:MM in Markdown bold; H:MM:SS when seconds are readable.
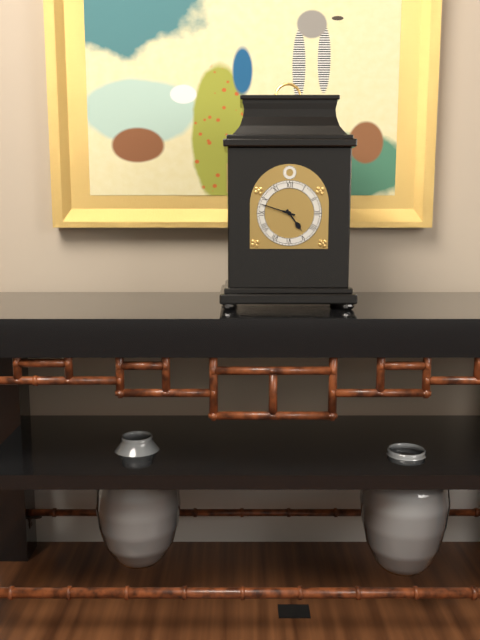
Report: **4:48**
